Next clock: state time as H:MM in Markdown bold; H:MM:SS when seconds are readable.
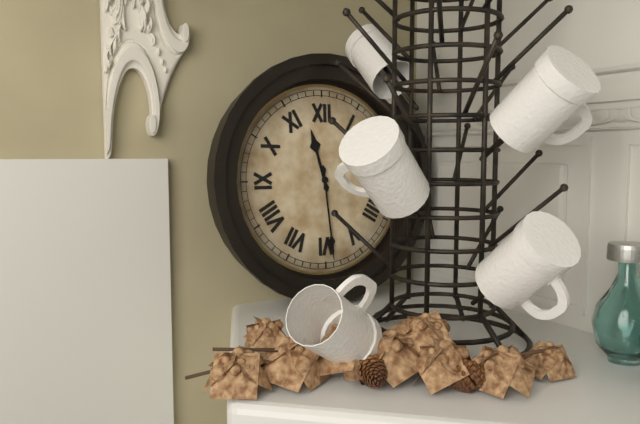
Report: **11:29**
